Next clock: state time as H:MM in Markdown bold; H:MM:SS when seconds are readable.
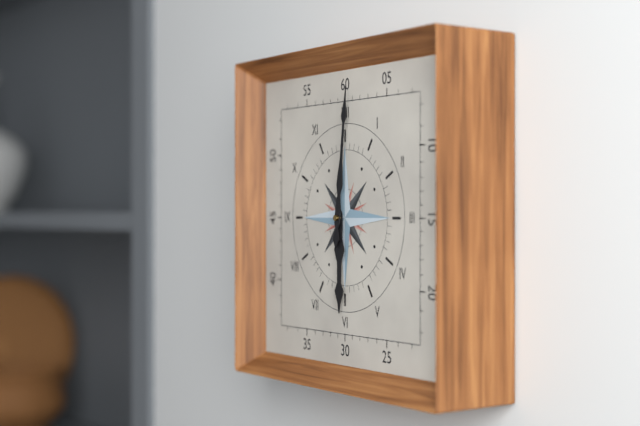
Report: **6:01**
